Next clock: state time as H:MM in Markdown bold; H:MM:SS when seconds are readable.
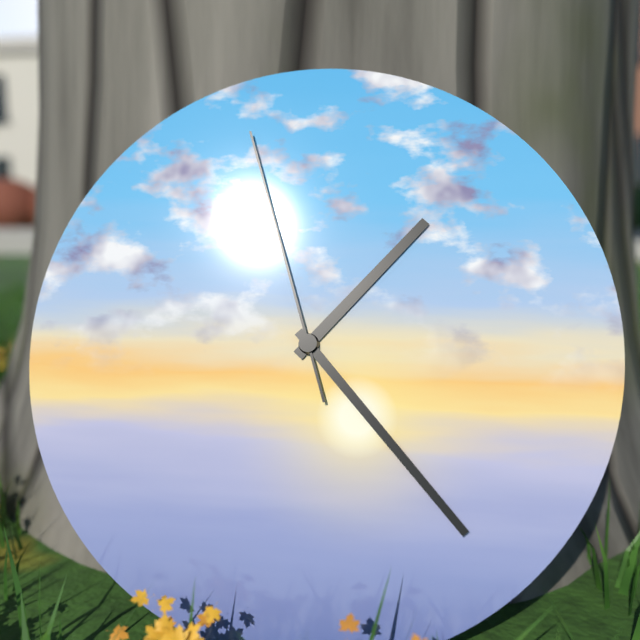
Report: **1:23:57**
